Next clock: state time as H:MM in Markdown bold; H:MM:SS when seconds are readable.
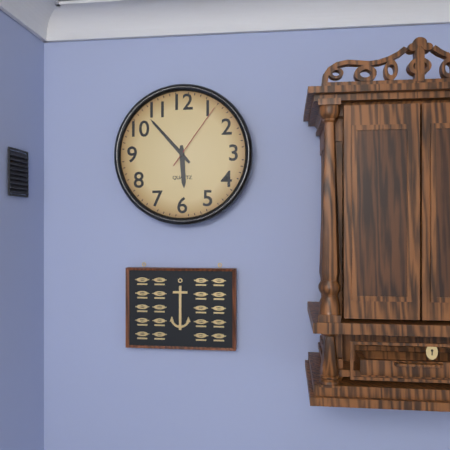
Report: **5:53:06**
